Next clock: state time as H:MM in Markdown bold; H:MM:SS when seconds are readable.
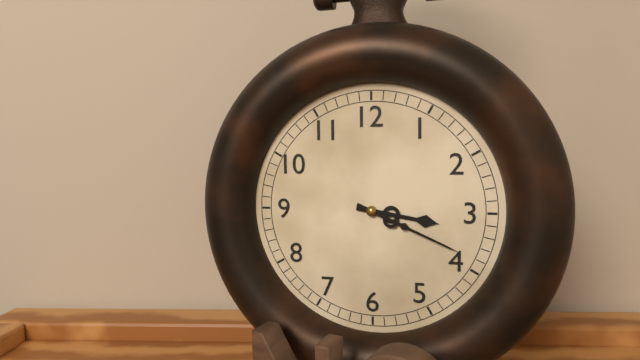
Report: **3:19**
